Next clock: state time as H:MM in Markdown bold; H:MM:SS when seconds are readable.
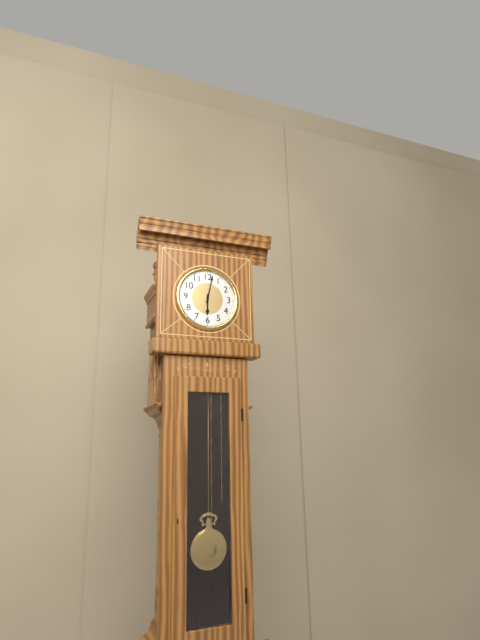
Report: **6:02**
